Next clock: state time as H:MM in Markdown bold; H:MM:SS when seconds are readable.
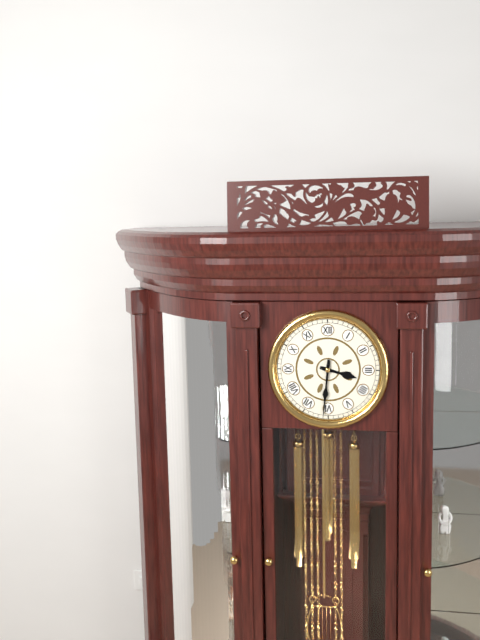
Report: **3:31**
